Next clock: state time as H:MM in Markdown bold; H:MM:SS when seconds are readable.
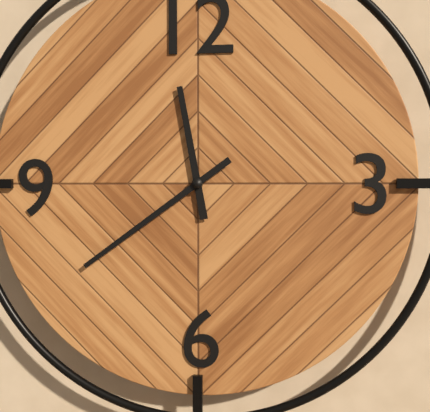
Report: **11:39**
